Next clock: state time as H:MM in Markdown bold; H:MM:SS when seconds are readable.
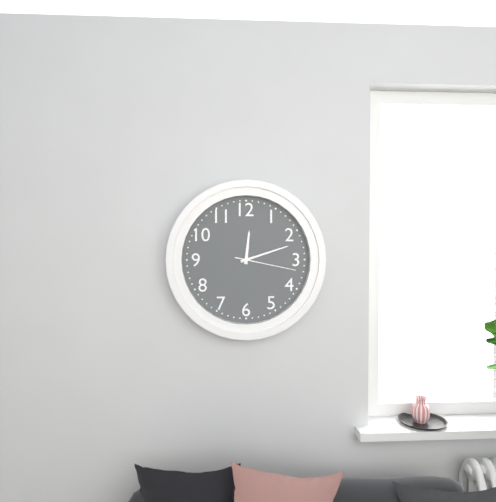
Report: **12:12:17**
